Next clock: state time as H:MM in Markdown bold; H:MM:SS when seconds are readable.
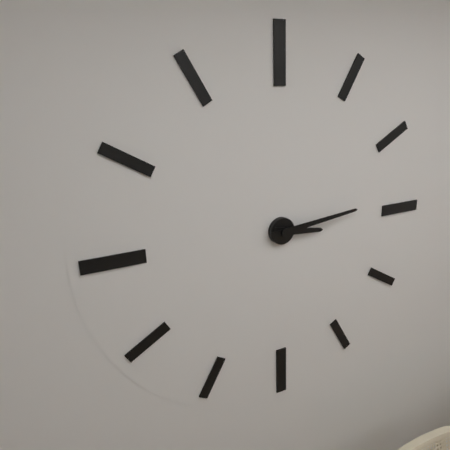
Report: **3:14**
